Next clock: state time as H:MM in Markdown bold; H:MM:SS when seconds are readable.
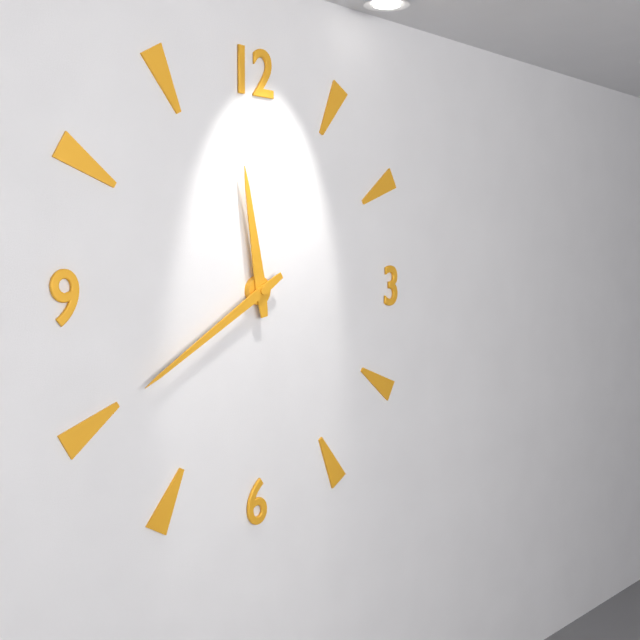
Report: **11:40**
